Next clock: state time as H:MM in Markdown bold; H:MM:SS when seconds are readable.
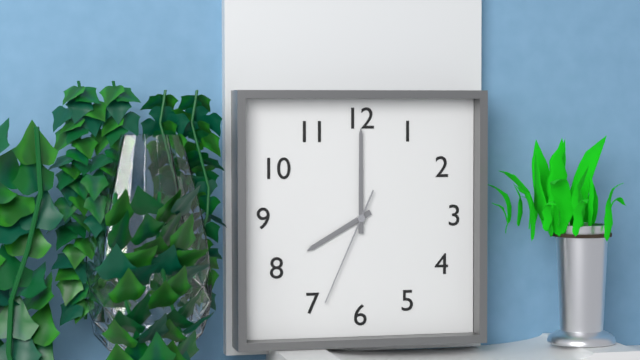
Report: **8:00:34**
